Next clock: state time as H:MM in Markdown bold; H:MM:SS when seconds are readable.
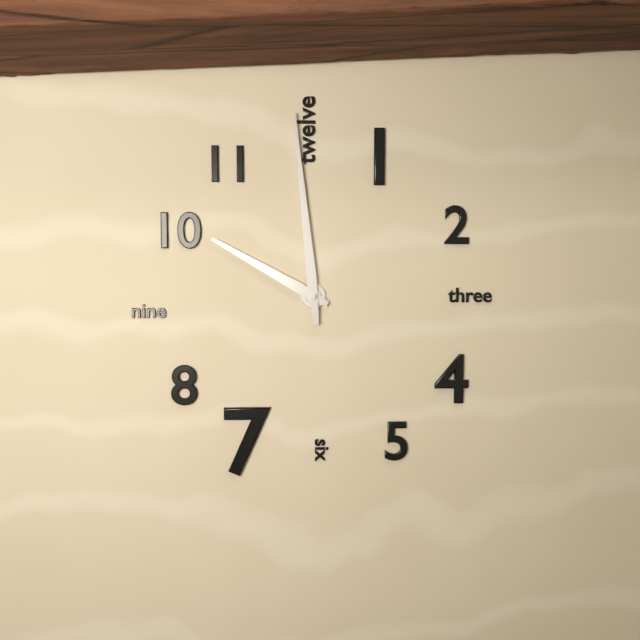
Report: **9:59**
